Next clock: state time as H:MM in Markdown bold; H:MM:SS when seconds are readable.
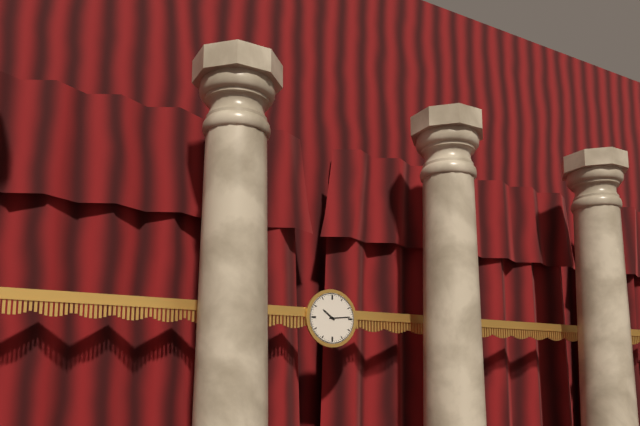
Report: **10:14**
